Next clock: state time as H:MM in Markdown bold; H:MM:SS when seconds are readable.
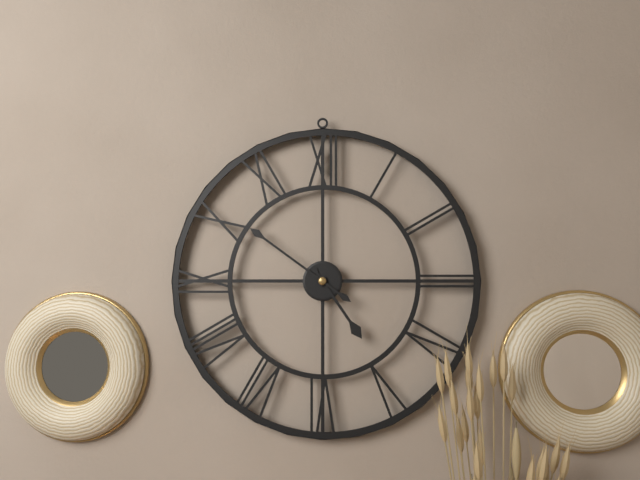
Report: **4:51**
